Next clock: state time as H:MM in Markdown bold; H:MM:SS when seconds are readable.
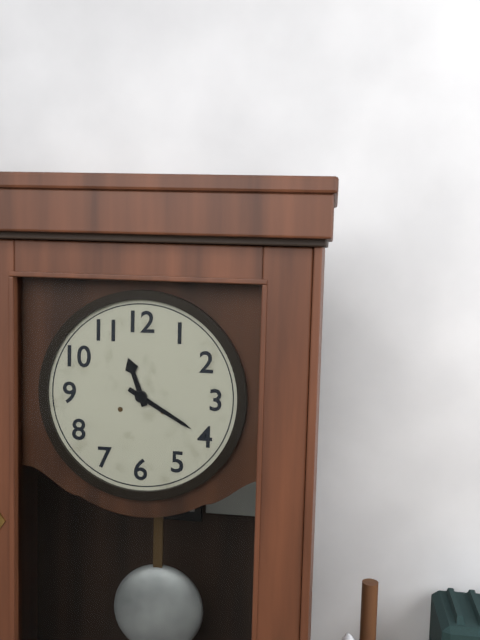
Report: **11:20**
